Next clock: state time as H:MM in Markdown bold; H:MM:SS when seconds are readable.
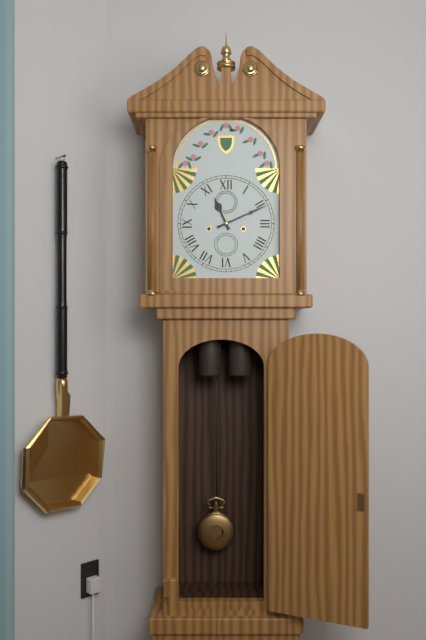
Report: **11:11**
